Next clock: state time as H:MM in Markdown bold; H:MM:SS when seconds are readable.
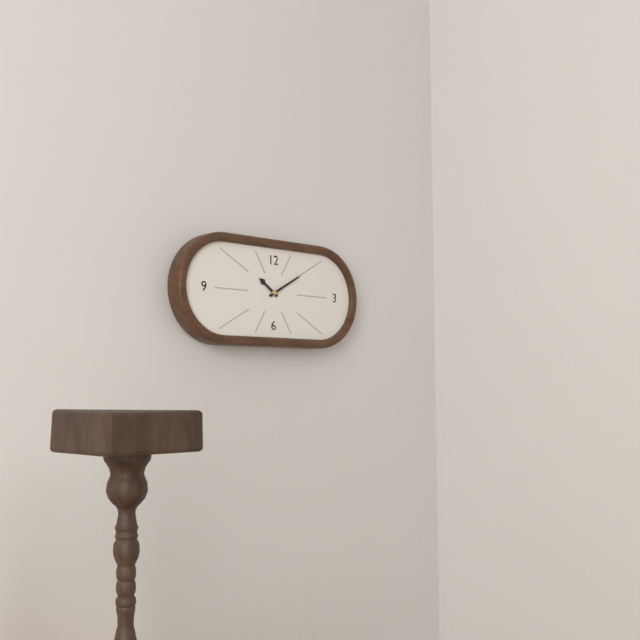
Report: **10:10**
